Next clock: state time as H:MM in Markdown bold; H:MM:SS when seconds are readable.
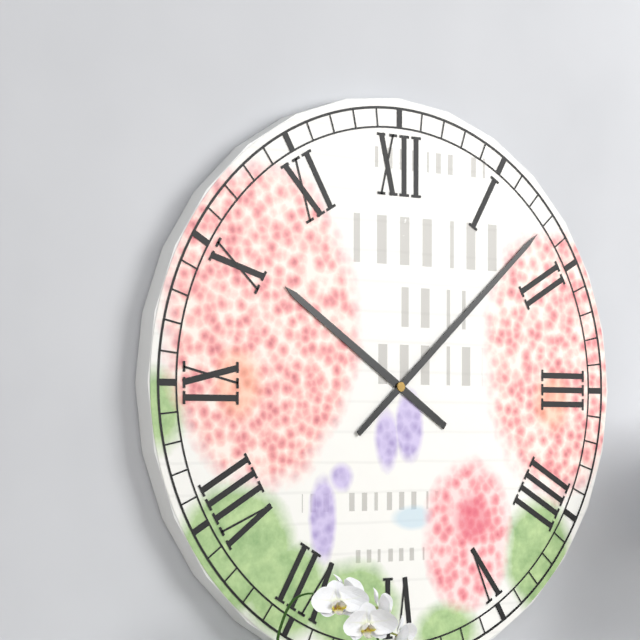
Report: **10:08**
